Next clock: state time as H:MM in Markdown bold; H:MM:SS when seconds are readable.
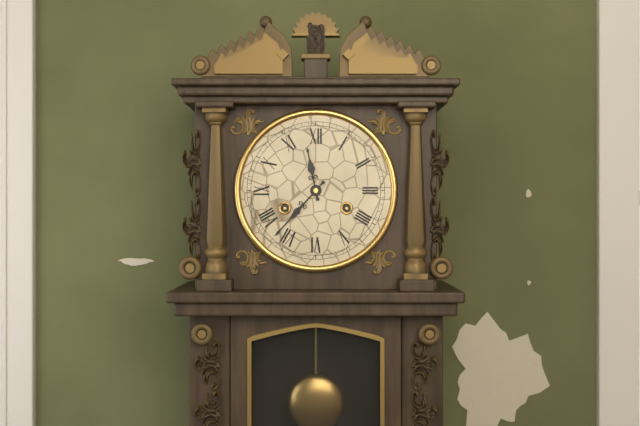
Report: **11:37**
